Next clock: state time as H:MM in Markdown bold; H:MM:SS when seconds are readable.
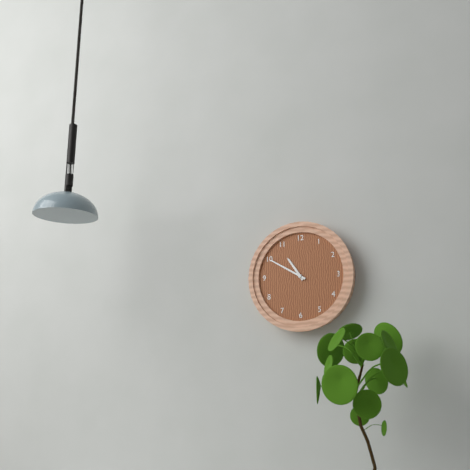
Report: **10:50**
